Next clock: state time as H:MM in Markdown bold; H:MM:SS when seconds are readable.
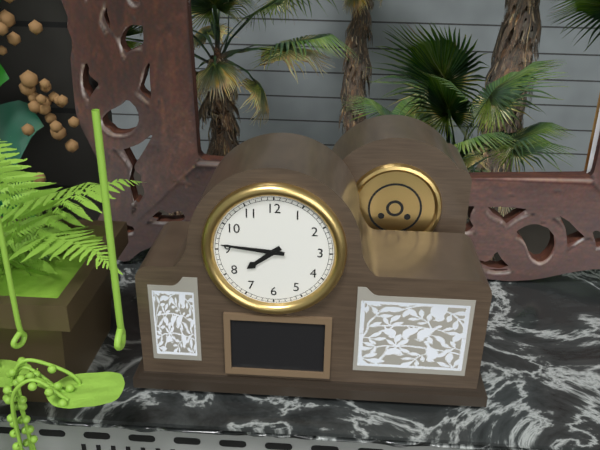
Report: **7:46**
